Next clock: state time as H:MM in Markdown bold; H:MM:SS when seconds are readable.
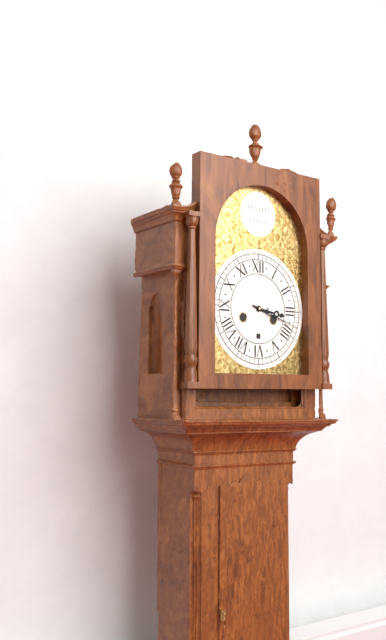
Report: **3:18**
